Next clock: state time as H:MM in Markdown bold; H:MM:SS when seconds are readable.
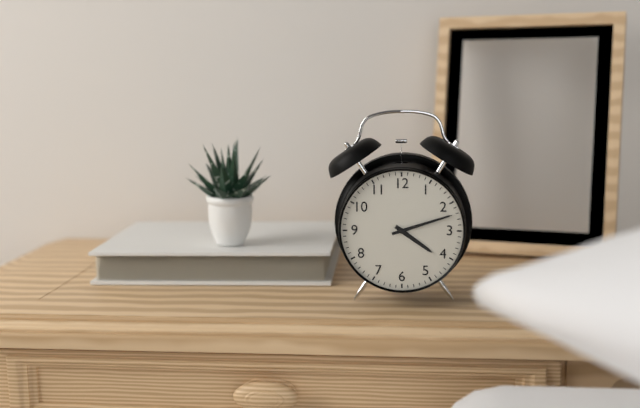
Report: **4:12**
